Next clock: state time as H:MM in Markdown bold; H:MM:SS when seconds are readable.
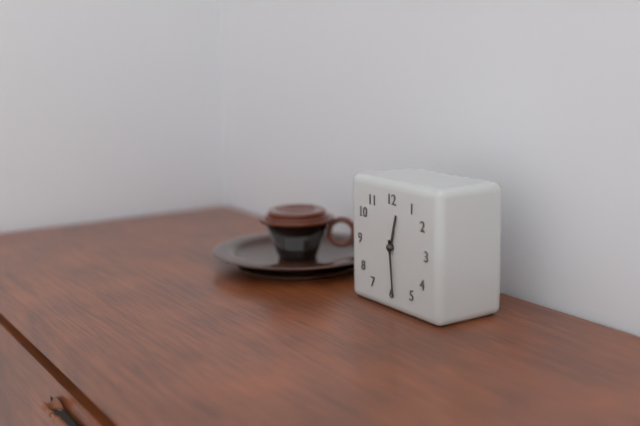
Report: **12:29**
